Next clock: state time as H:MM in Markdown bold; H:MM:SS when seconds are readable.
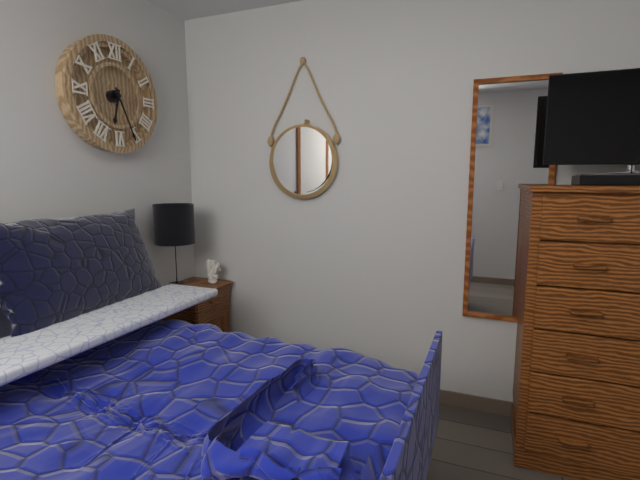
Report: **6:26**
